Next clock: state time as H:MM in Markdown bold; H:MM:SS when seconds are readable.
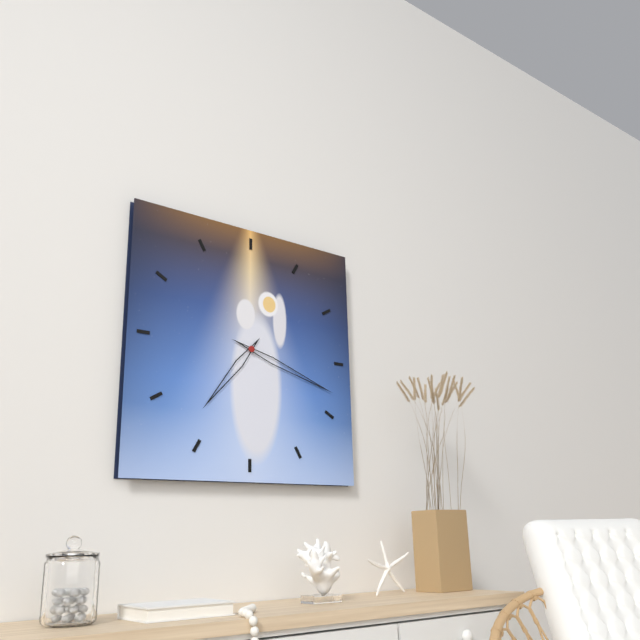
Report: **7:18**
